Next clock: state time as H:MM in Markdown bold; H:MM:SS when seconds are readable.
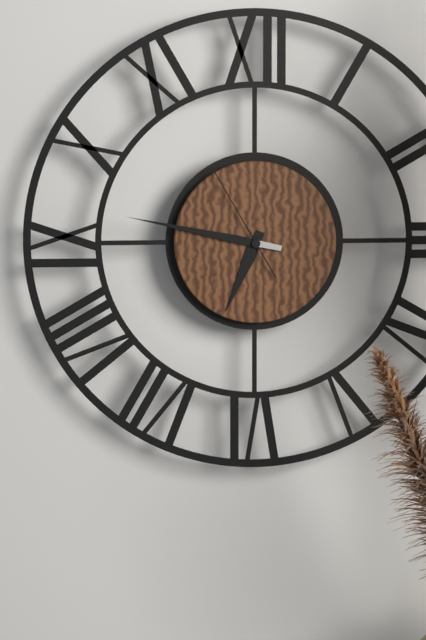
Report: **6:47:55**
